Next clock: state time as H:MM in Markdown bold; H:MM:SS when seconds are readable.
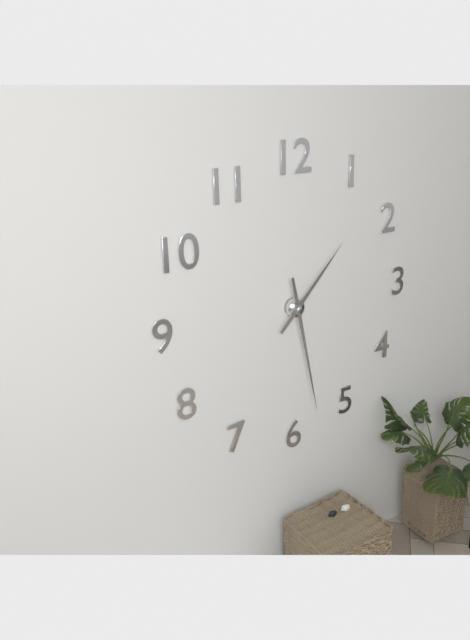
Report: **1:28**
